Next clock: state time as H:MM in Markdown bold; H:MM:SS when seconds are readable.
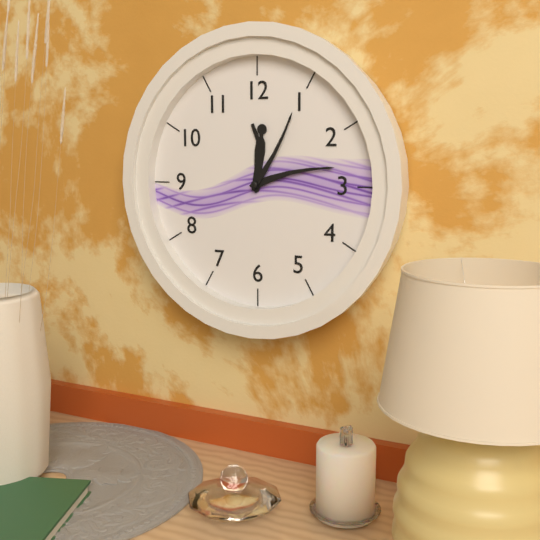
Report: **12:13:05**
